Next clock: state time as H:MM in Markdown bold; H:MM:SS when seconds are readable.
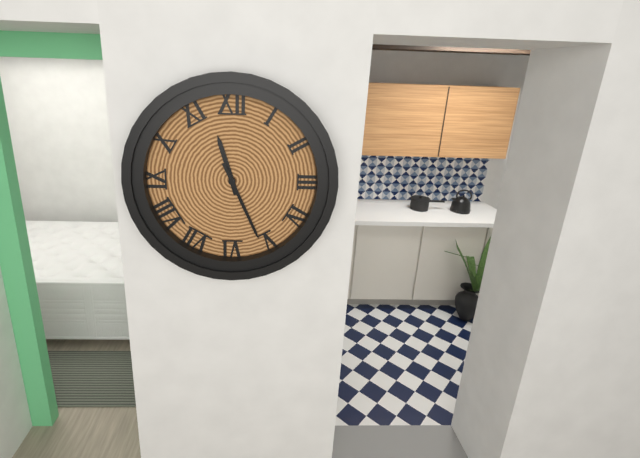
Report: **11:26**
